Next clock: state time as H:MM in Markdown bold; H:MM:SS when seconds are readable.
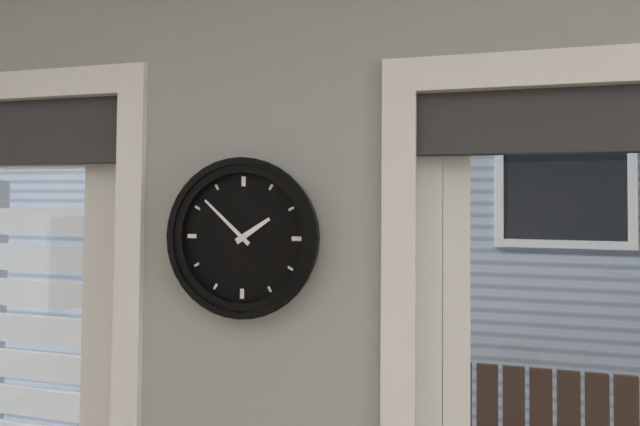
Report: **1:52**
